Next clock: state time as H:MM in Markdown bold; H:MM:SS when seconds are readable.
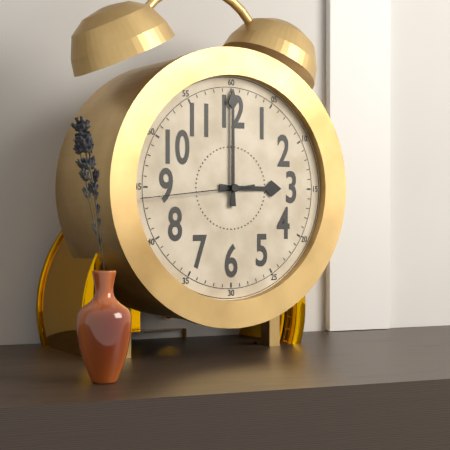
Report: **3:00:44**
